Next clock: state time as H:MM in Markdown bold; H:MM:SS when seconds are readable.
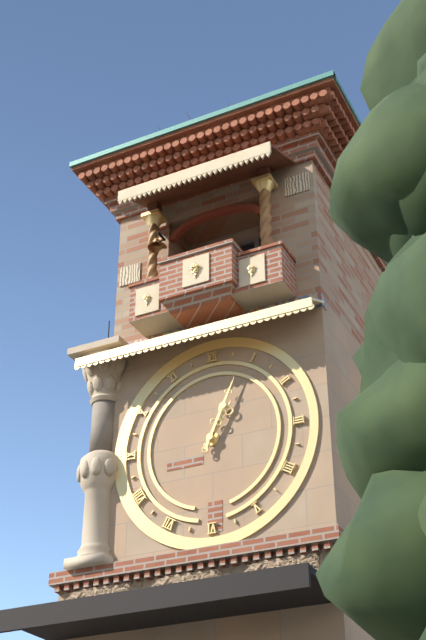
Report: **1:04**
